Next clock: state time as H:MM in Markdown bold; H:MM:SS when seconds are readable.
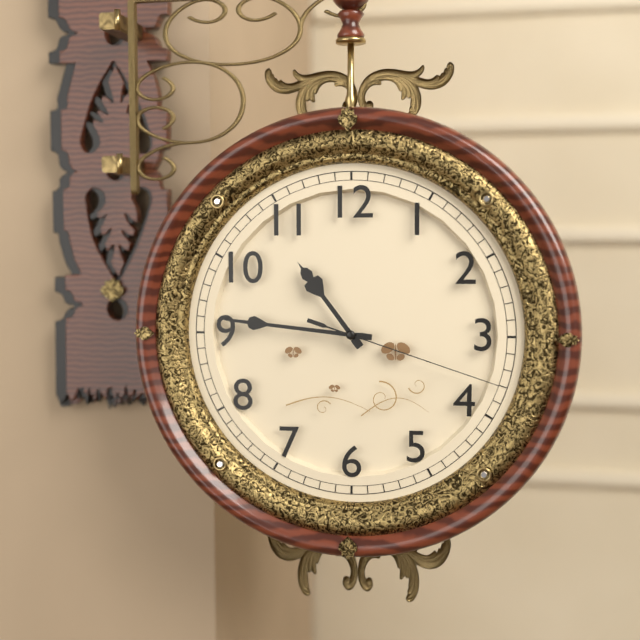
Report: **10:46:18**
